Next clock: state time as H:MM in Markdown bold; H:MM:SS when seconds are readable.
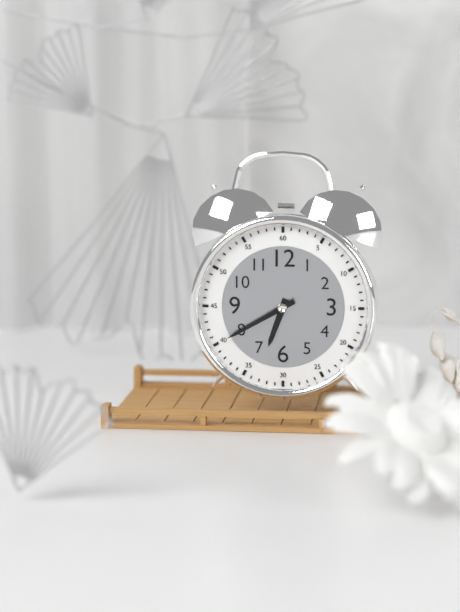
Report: **6:40**
